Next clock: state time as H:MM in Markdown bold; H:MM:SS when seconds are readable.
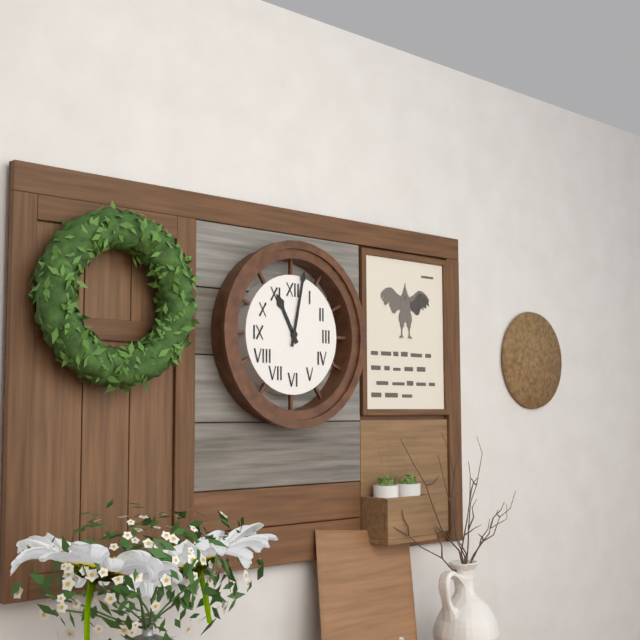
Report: **11:02**
